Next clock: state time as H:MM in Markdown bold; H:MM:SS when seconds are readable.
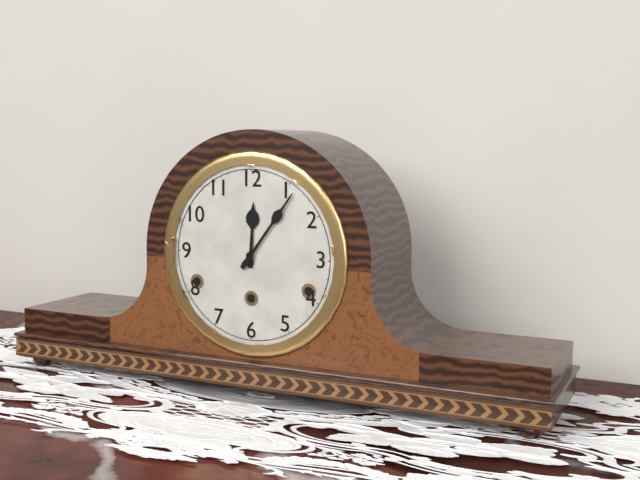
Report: **12:06**
